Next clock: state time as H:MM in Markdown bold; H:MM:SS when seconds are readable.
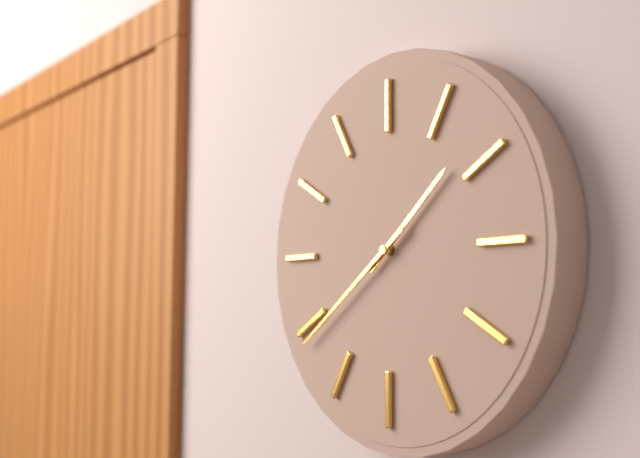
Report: **1:39**
